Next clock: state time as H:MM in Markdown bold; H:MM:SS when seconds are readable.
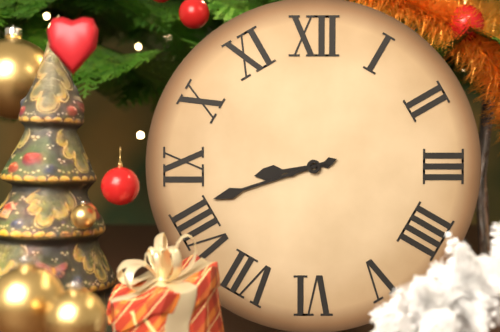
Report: **8:42**
